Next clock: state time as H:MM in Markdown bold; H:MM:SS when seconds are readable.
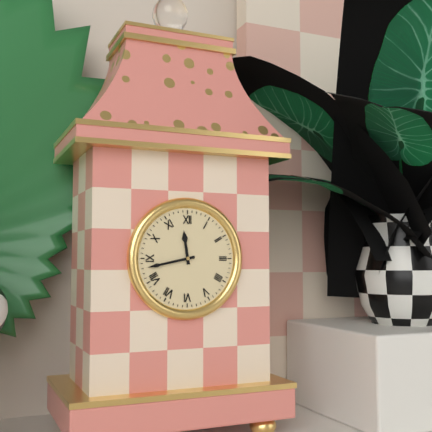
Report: **11:43**
